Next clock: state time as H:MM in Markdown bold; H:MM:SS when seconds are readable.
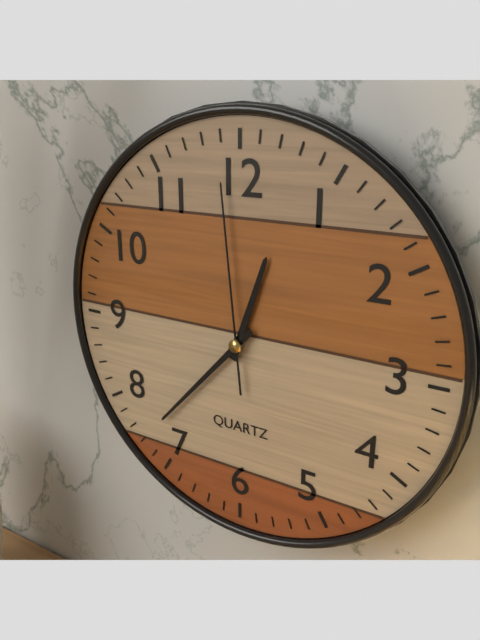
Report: **12:37:59**
